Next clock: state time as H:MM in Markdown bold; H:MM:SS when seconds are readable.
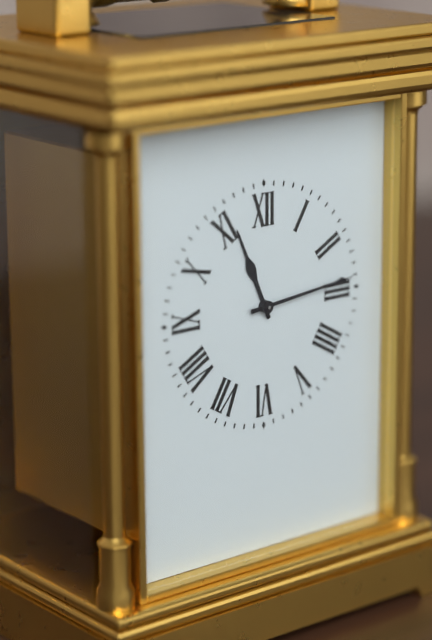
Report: **11:14**
